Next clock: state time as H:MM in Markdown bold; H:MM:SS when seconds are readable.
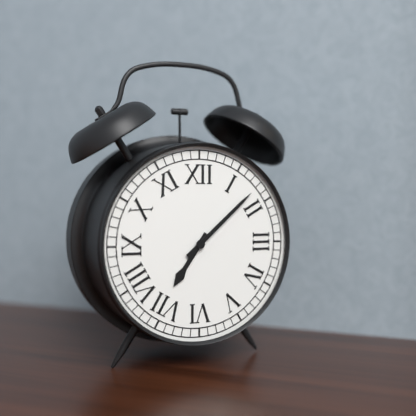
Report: **7:08**
